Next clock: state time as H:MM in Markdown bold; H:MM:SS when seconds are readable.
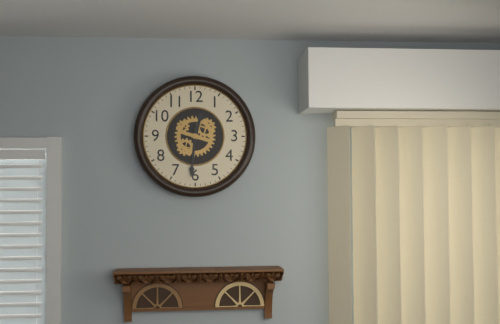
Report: **12:31**
